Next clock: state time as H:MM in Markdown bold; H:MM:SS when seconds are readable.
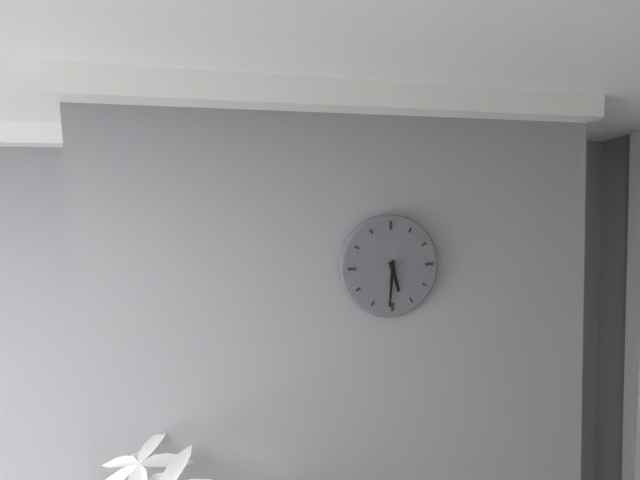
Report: **5:31**
